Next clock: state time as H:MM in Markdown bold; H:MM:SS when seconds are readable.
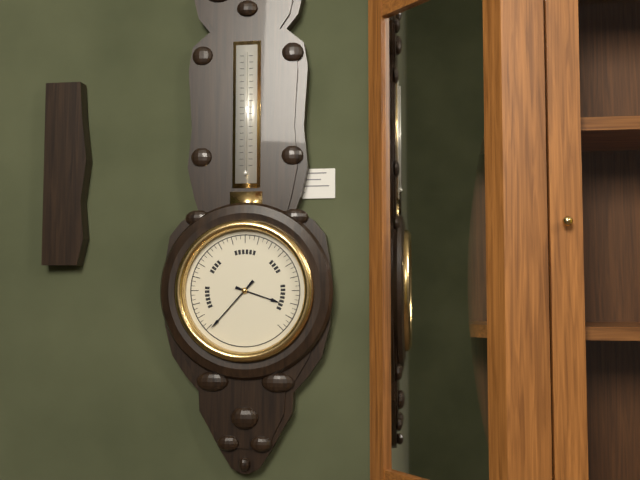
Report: **3:37**
